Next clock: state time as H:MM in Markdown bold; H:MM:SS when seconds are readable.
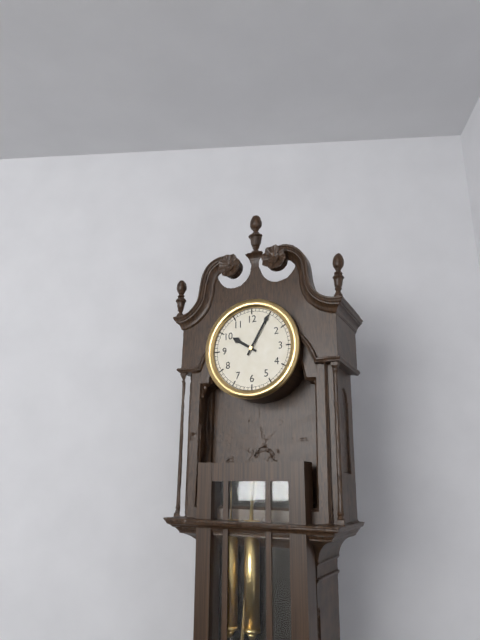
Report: **10:05**
